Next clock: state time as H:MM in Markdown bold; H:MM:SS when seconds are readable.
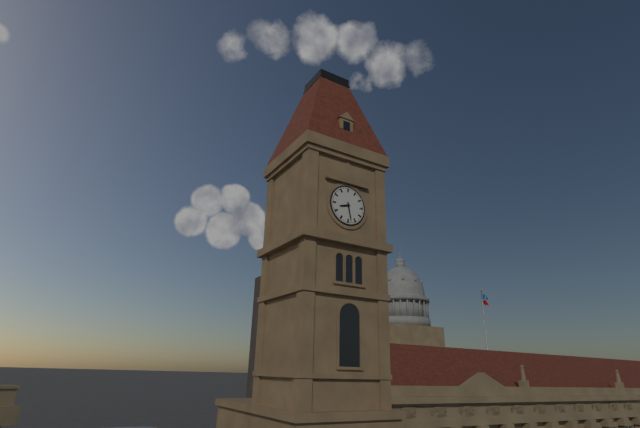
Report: **8:28**
